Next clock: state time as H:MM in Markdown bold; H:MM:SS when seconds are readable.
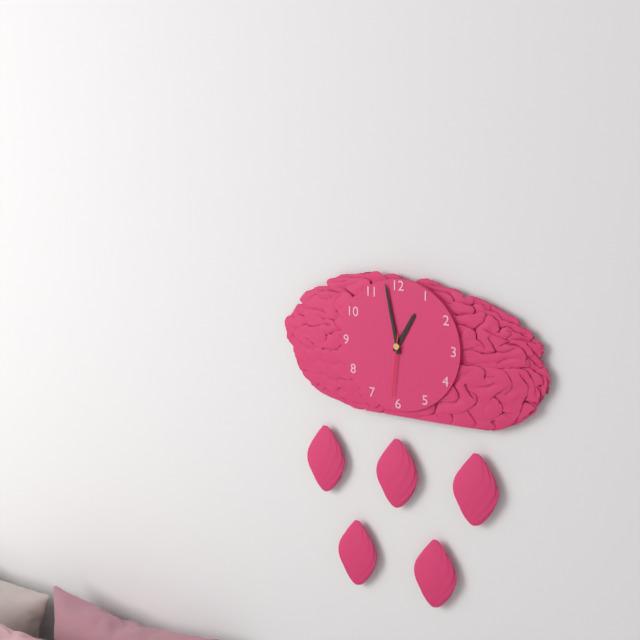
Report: **12:58:31**
